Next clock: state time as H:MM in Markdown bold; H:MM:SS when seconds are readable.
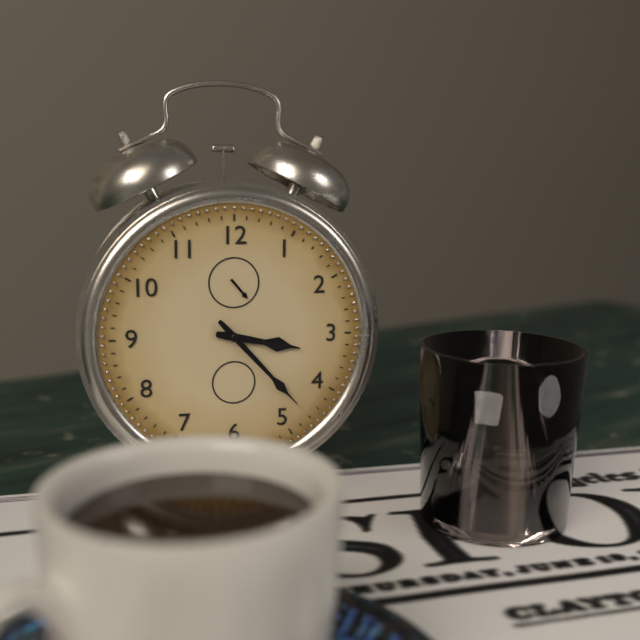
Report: **3:23**
